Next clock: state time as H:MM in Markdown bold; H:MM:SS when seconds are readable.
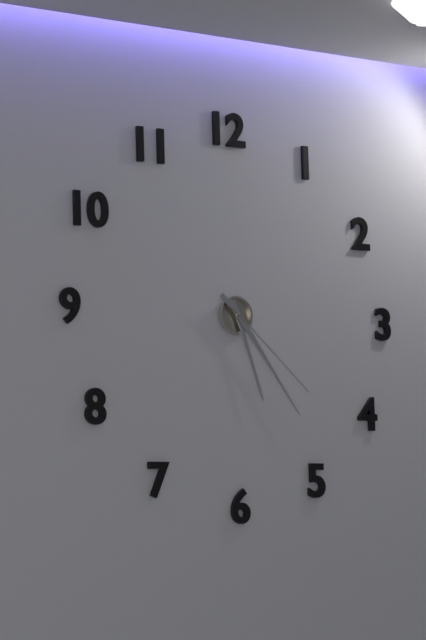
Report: **5:24:22**
